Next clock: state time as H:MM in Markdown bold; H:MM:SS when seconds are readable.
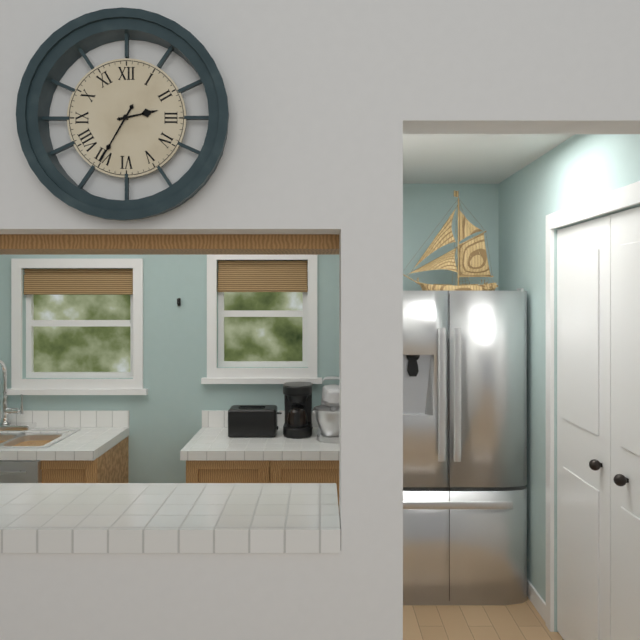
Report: **2:35**
